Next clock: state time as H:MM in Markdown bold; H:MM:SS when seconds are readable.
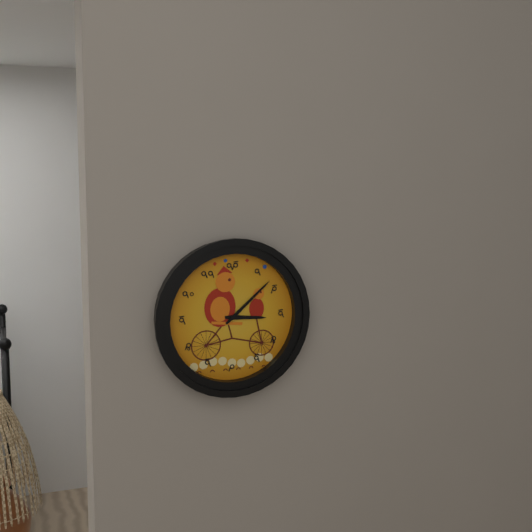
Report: **3:08**
